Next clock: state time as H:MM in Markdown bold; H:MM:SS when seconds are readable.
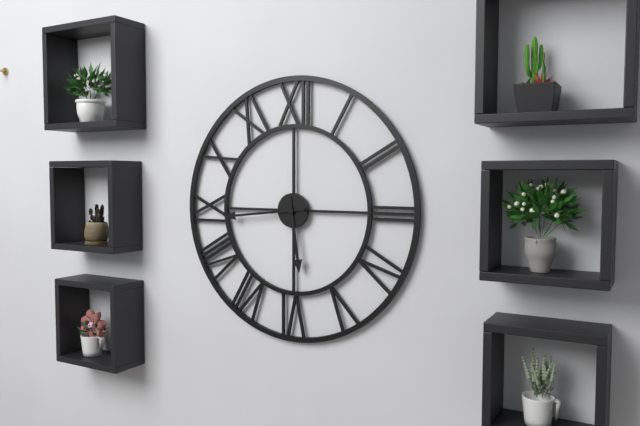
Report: **5:44**
